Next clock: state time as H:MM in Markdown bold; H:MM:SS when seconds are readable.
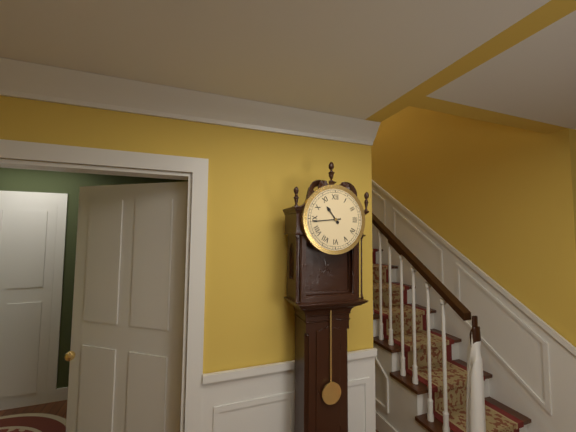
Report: **10:44**
